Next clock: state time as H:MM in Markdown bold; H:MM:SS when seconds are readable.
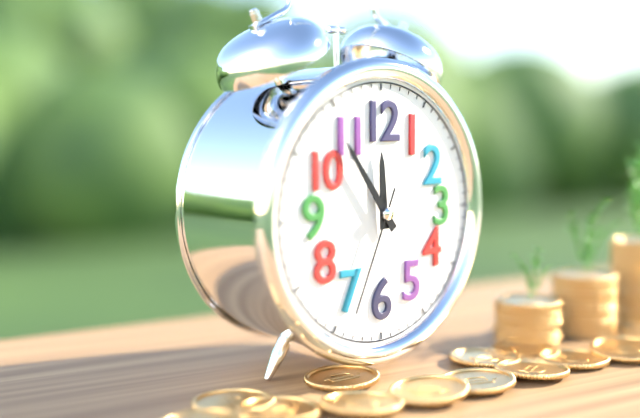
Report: **11:54:34**
